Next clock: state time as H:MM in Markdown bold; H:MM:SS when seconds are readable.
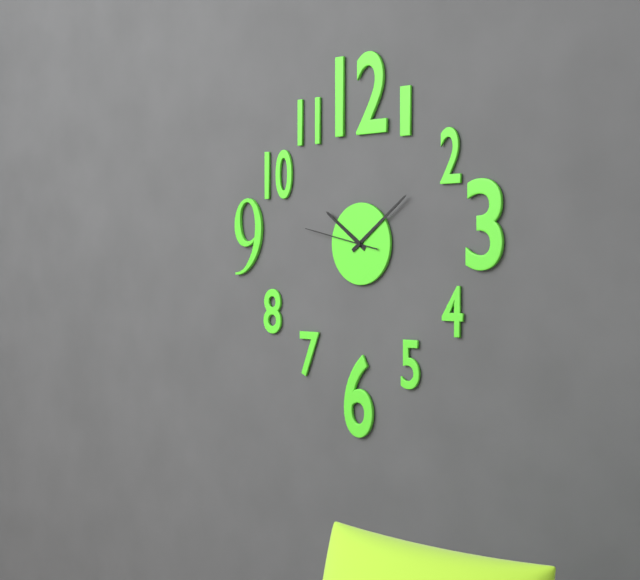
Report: **10:09:47**
